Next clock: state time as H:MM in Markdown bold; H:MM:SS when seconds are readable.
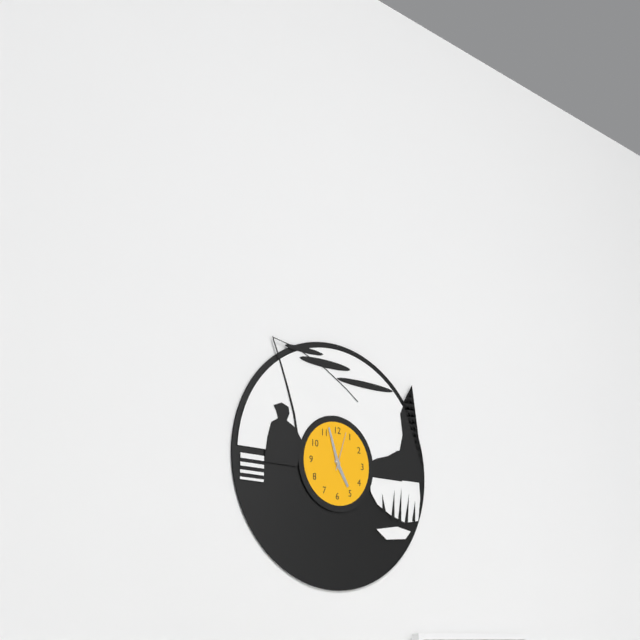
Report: **4:57**
